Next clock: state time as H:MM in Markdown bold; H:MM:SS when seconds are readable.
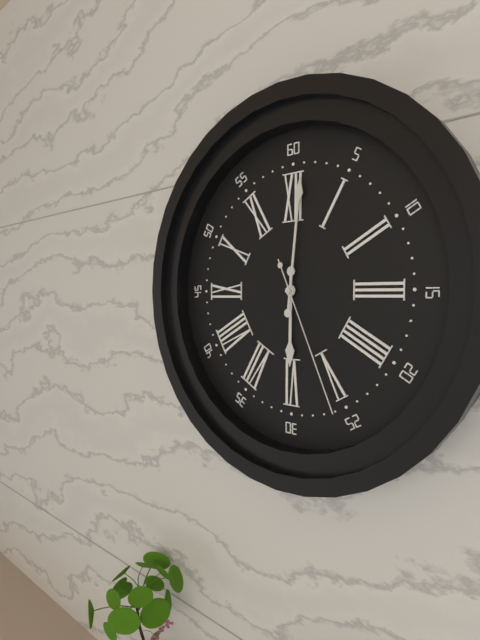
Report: **6:01:26**
